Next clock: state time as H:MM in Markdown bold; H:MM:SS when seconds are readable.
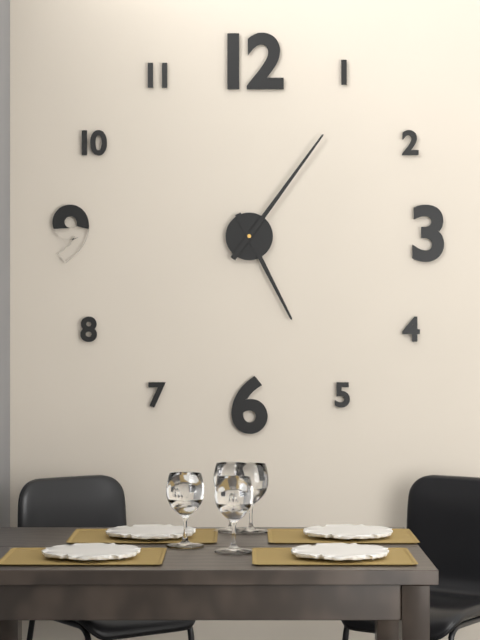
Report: **5:06**
